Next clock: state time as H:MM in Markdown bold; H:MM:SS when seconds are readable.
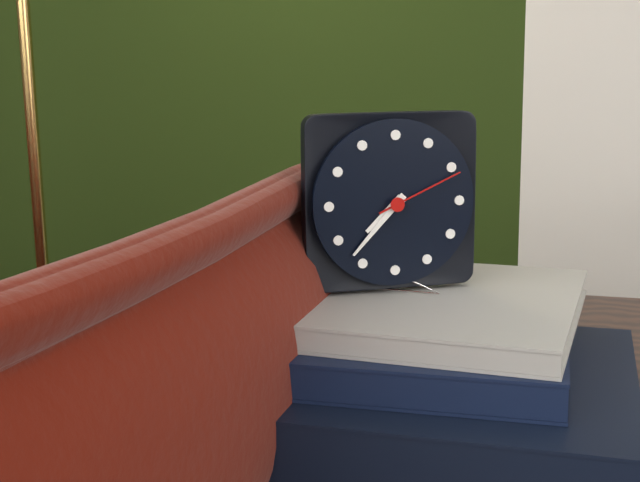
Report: **7:37:11**
